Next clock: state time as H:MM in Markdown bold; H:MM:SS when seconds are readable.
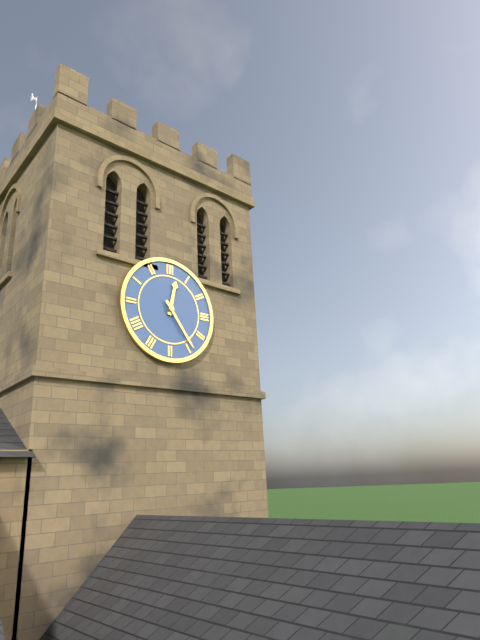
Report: **12:24**
